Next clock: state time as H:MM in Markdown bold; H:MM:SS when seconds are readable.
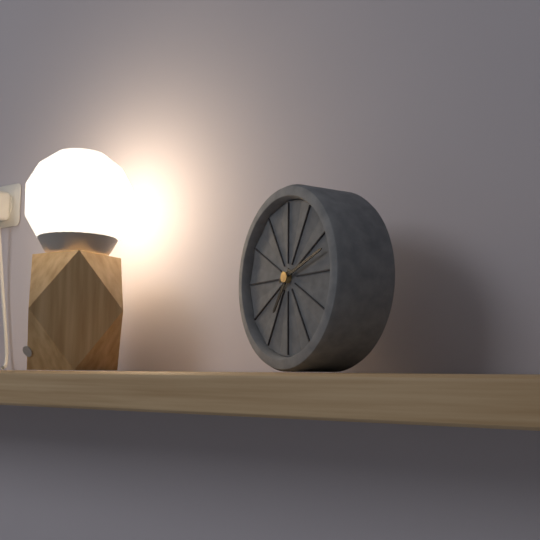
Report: **7:12**
